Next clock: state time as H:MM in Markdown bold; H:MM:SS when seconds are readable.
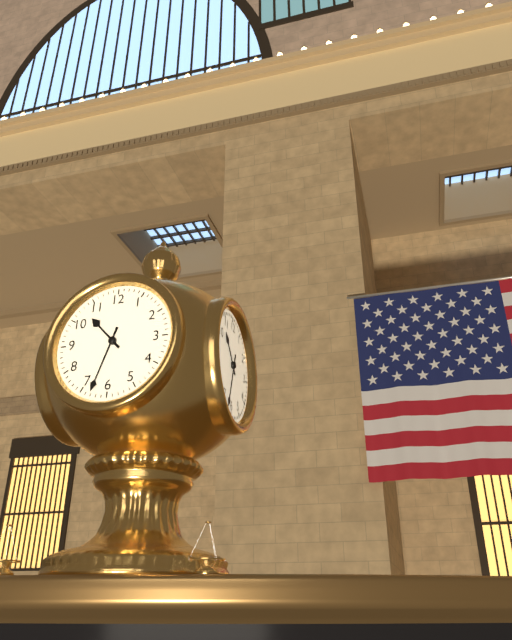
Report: **10:33**
